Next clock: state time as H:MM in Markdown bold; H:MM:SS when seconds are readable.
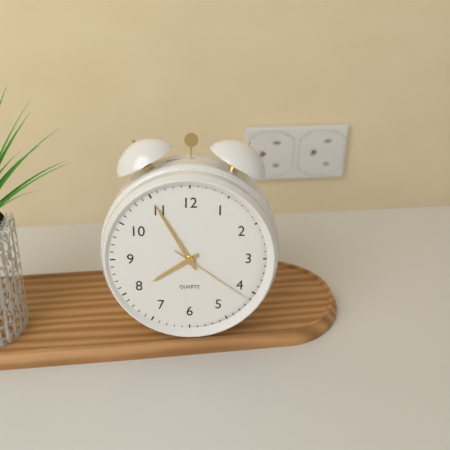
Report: **7:55:21**
